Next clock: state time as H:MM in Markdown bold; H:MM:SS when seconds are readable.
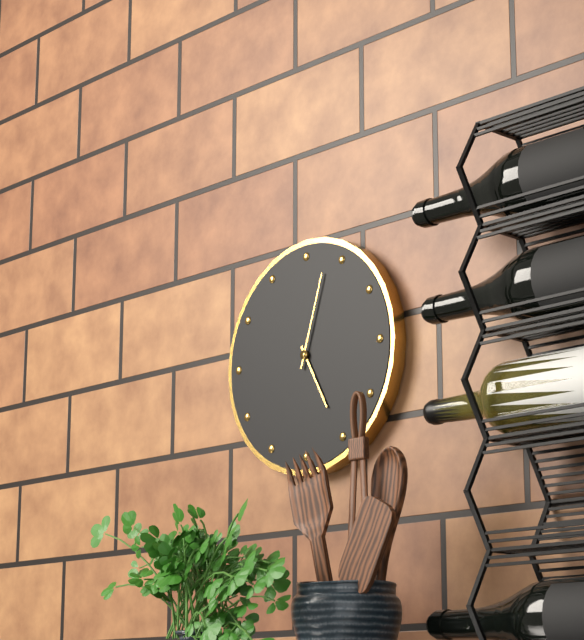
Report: **5:03**
